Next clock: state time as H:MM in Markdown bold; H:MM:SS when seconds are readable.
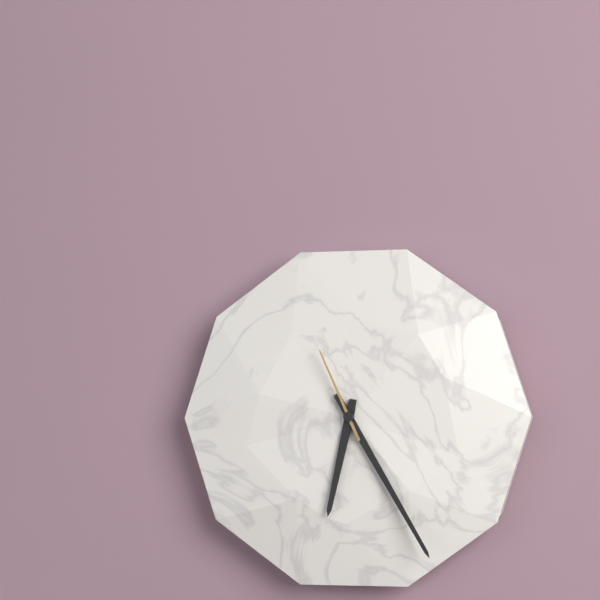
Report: **6:25:56**
